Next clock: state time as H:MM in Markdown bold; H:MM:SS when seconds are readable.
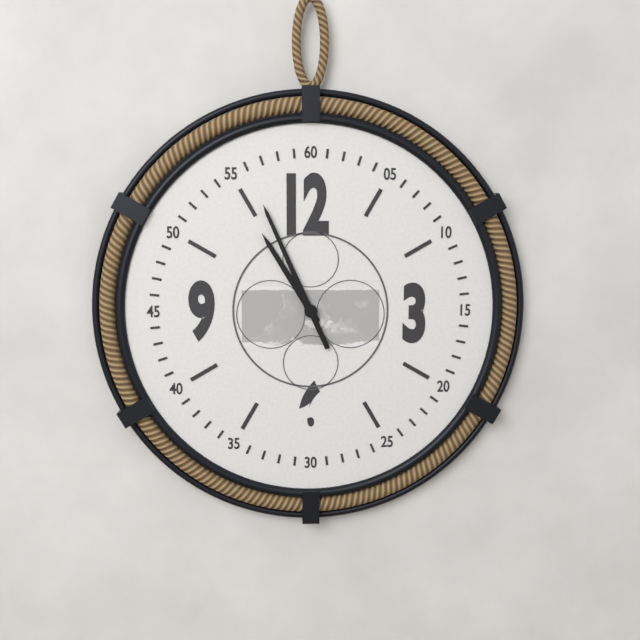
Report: **10:56**
